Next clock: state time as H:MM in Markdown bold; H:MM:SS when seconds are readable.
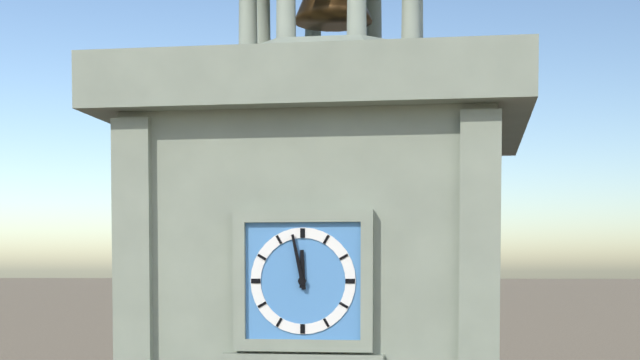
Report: **11:58**
